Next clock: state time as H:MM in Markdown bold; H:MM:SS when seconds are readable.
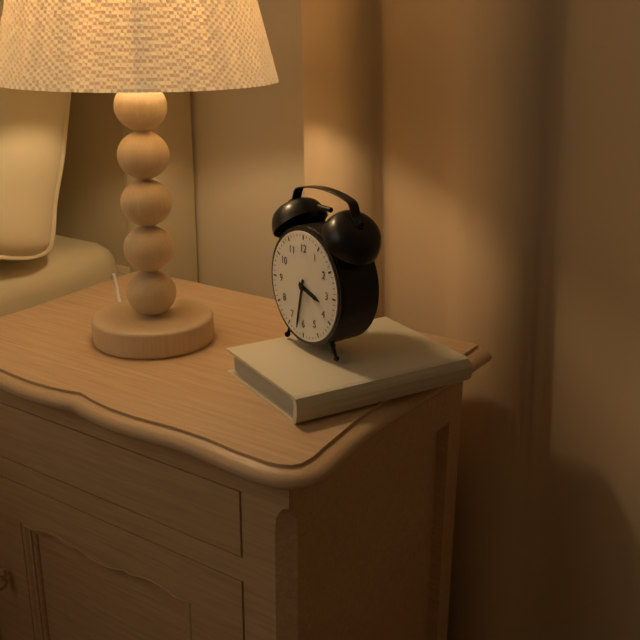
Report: **3:32**
